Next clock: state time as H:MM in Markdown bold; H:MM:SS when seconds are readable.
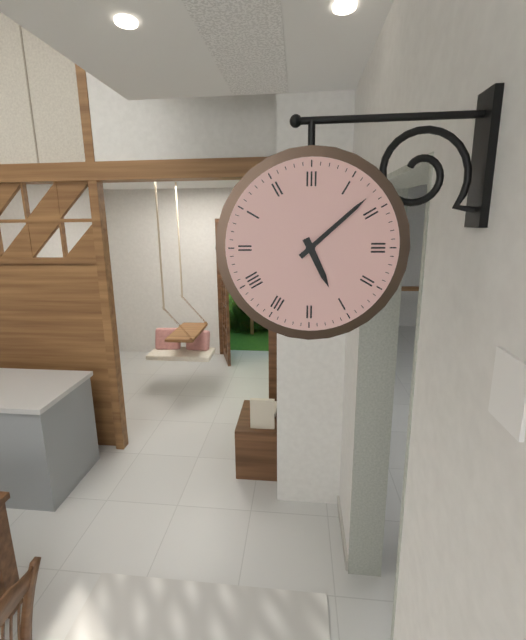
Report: **5:08**
